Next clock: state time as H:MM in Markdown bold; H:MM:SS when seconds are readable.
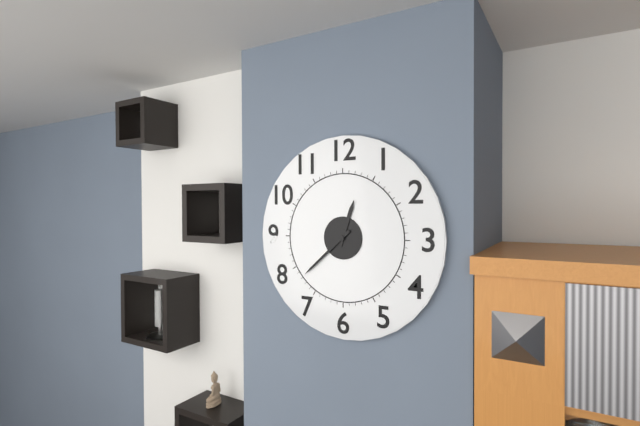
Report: **12:38**
